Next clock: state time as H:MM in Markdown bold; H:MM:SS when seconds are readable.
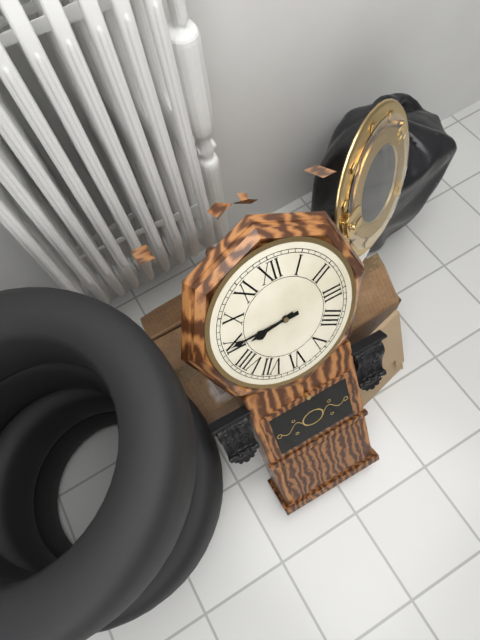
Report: **8:45**
